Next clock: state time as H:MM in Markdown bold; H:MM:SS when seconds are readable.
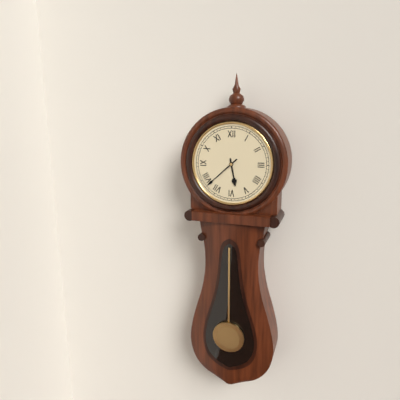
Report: **5:38**
